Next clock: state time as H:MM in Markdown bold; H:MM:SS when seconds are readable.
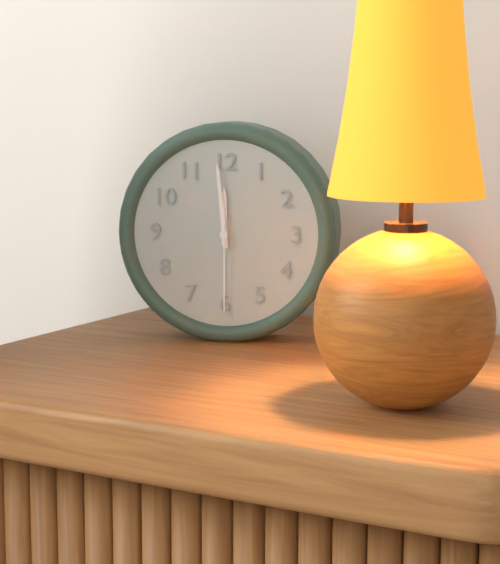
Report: **11:59:30**
